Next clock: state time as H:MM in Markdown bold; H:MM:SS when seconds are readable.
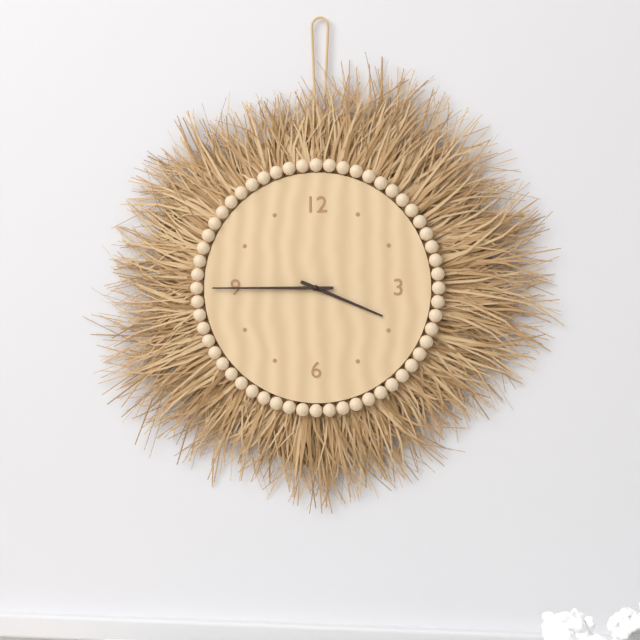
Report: **3:45**
